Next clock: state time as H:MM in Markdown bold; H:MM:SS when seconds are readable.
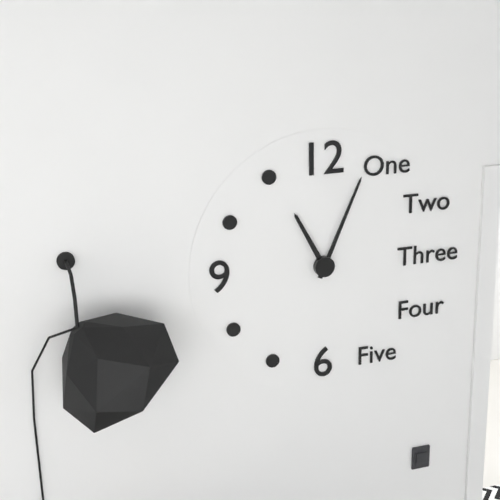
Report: **11:04**
